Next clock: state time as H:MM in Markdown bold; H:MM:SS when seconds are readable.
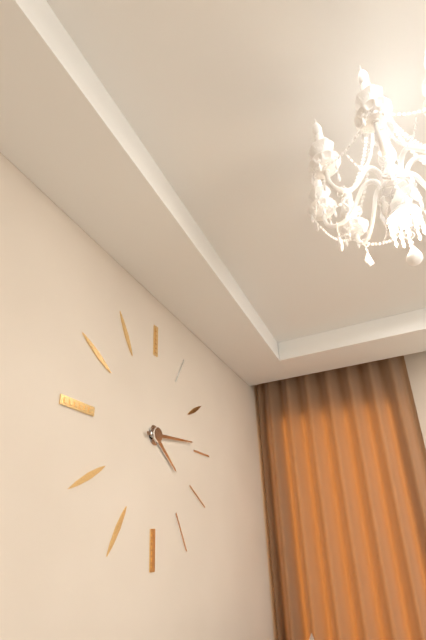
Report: **4:14**
